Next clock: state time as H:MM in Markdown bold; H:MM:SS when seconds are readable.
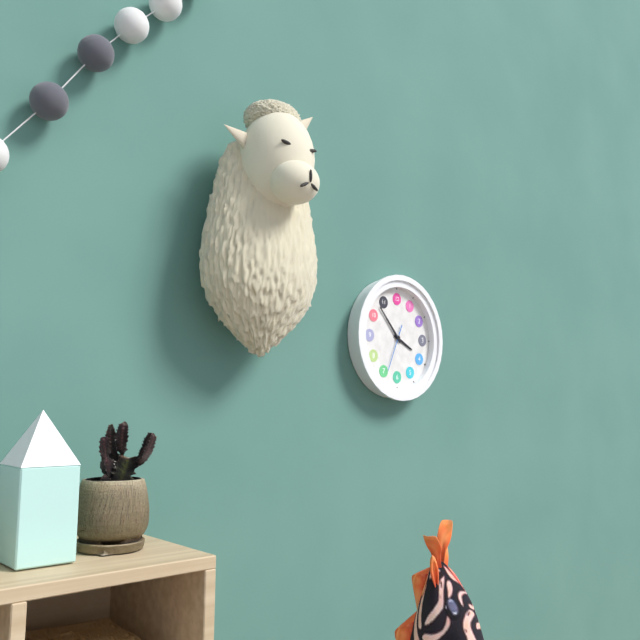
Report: **3:53**
